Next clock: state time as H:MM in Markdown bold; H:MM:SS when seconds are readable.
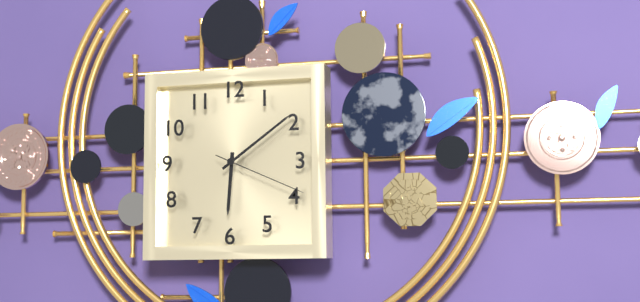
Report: **6:09:19**
